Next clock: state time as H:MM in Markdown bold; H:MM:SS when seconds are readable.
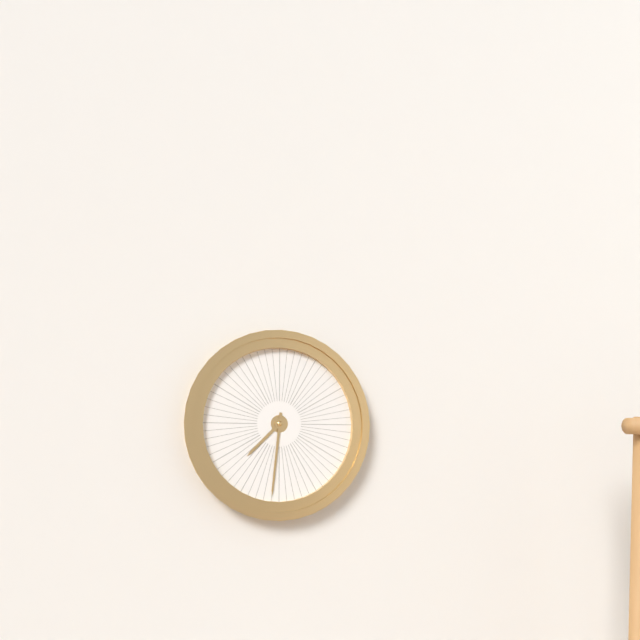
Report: **7:31**
